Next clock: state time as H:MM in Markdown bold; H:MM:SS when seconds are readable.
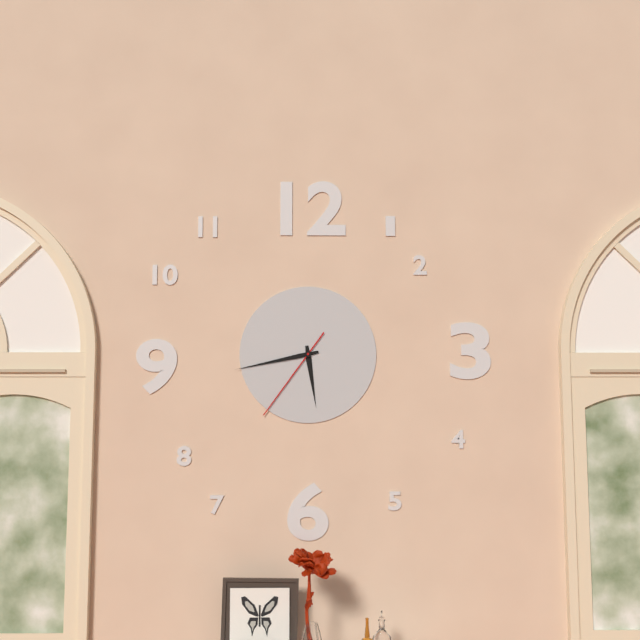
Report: **5:43:36**
